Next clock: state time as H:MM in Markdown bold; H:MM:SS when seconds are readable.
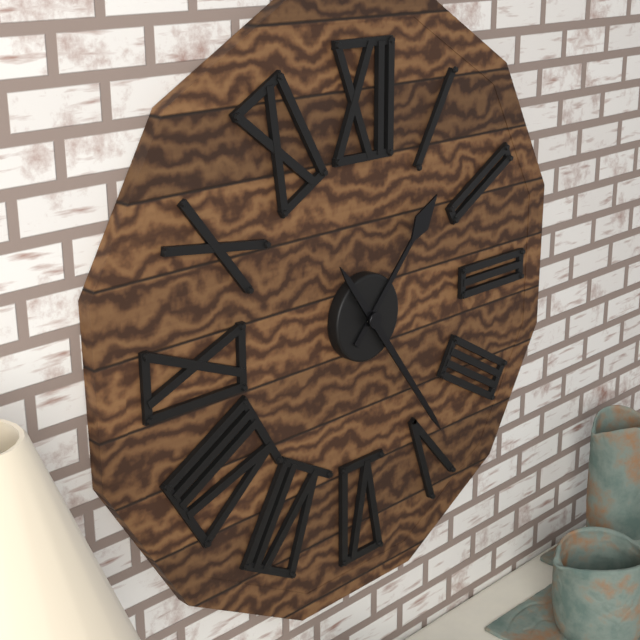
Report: **1:24**
